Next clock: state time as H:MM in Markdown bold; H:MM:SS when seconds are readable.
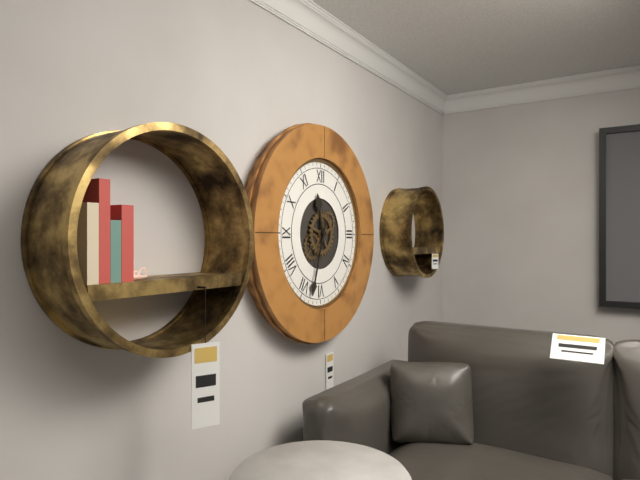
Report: **11:33**
